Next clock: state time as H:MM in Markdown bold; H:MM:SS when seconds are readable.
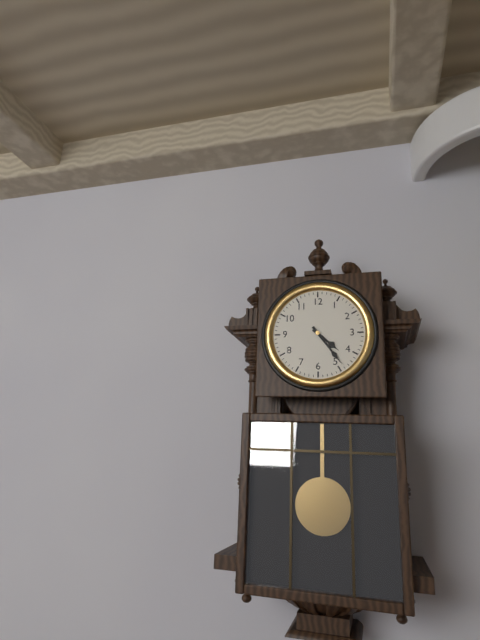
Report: **4:24**
